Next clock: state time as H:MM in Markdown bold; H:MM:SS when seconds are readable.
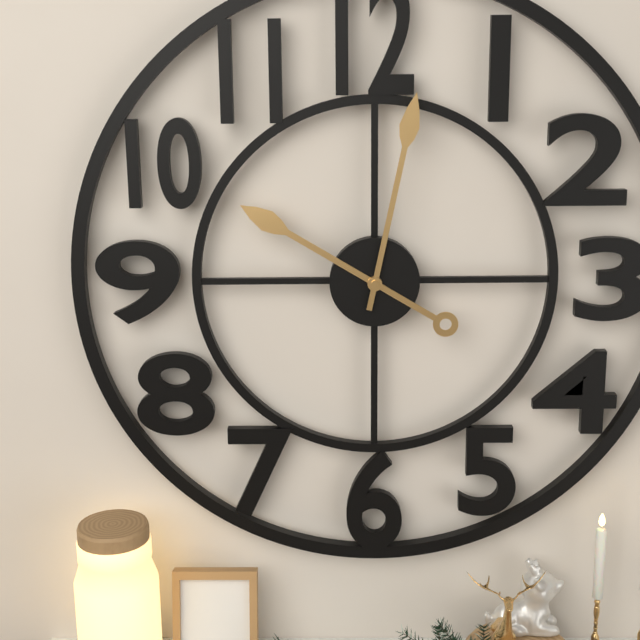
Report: **10:02**
